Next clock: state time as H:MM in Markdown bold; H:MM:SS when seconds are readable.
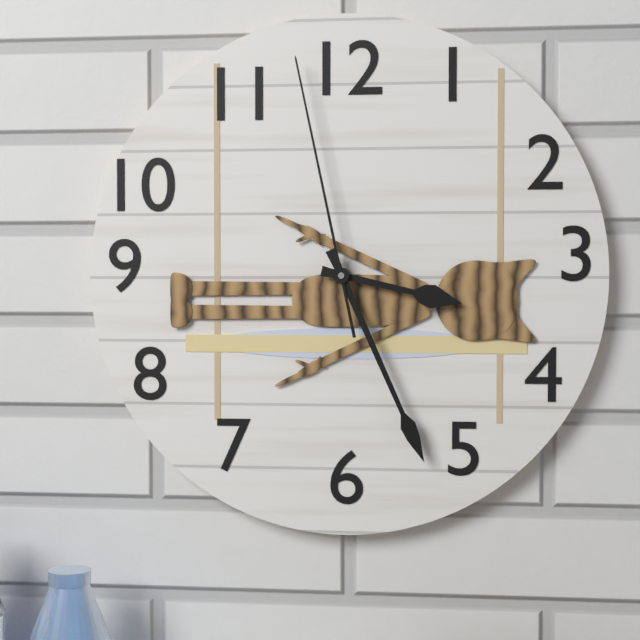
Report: **3:26:58**
